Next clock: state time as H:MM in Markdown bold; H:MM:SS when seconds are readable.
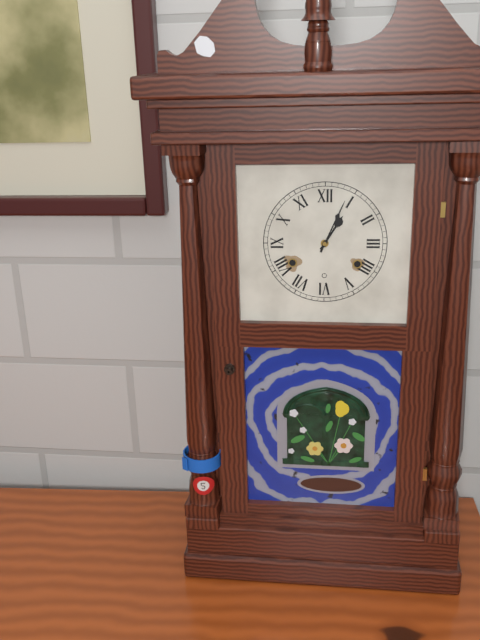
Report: **1:04**
